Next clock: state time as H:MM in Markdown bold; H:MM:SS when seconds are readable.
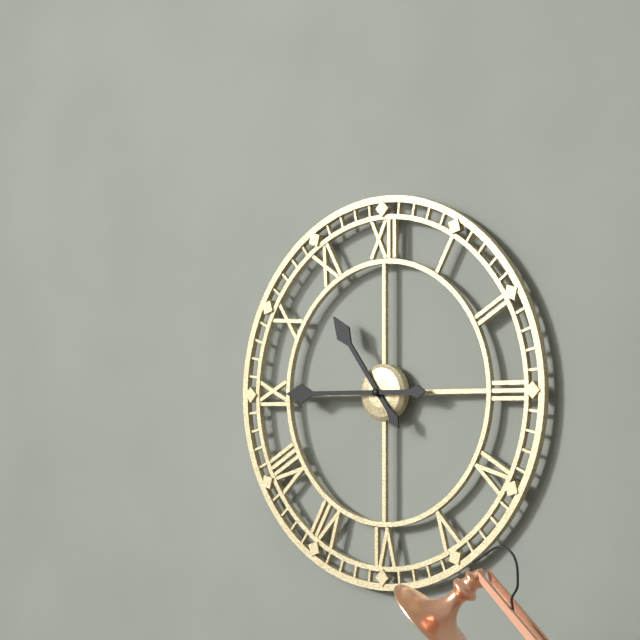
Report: **10:45**
